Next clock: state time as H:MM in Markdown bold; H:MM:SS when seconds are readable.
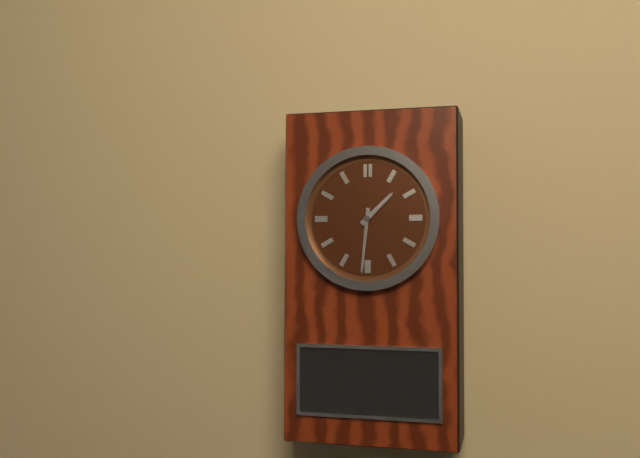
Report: **1:31**
